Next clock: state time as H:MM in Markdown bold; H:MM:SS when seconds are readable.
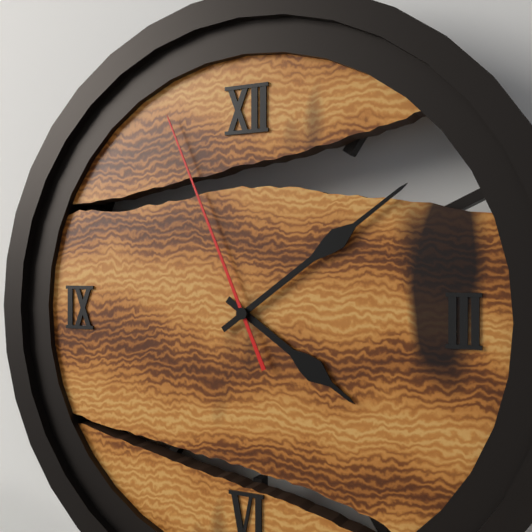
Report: **4:09:56**
